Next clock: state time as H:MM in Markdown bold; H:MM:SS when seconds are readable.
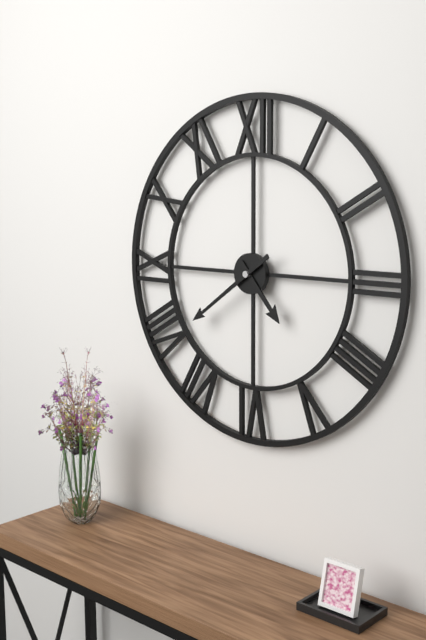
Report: **4:39**
